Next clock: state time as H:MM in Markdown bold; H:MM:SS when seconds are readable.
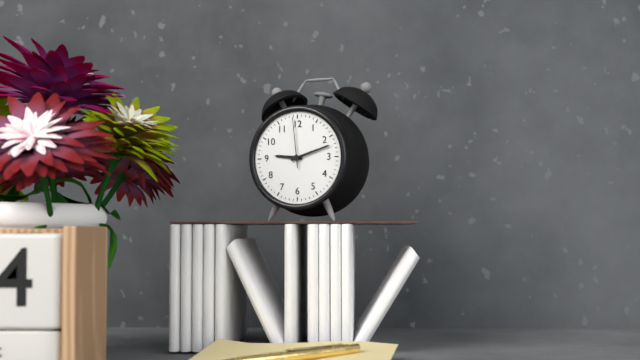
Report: **9:12:59**
